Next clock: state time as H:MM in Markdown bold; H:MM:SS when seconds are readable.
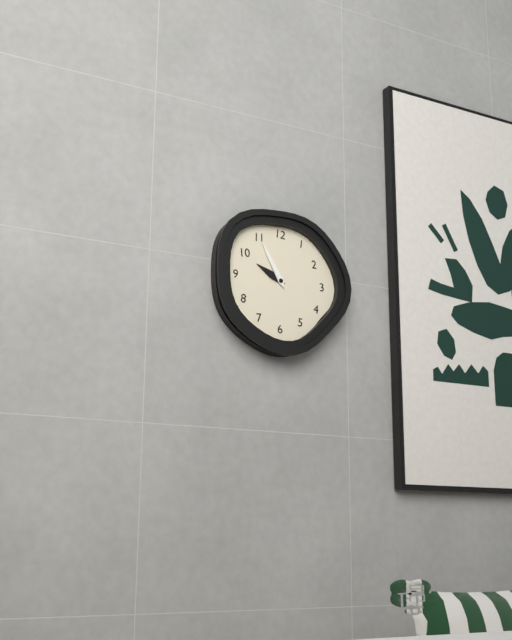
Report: **9:55**
